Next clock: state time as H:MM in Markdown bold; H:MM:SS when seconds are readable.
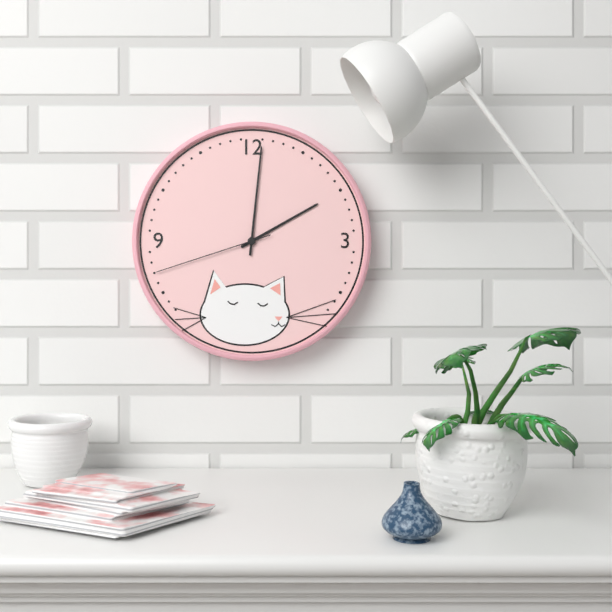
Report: **2:01:42**
